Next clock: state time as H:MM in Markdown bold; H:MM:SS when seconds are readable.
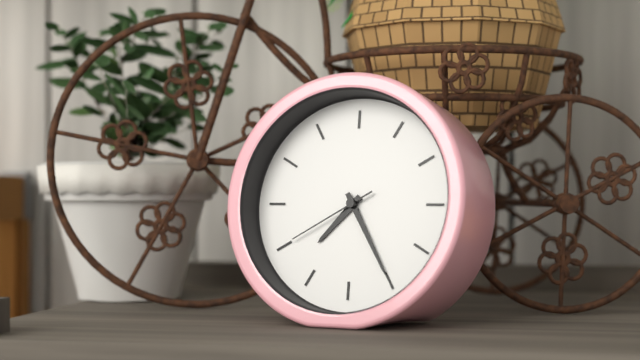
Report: **7:25:40**
